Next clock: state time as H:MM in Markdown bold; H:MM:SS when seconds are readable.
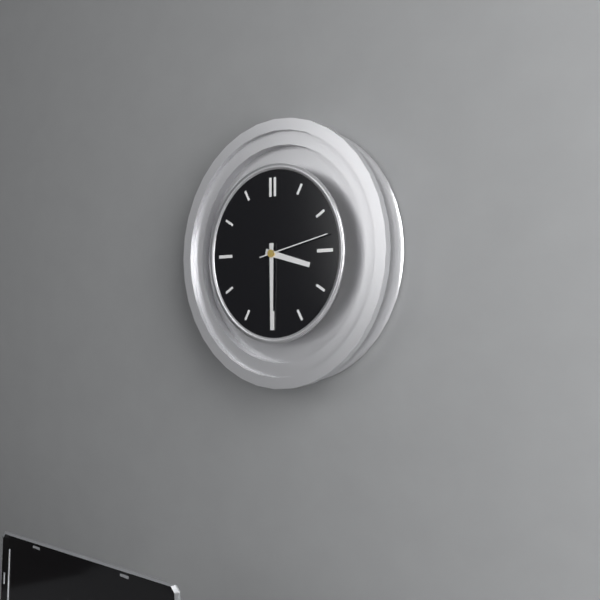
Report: **3:30:13**
